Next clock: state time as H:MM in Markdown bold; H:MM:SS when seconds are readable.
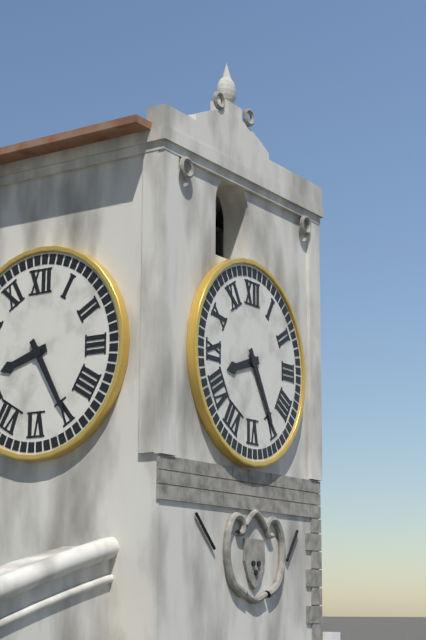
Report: **8:25**
